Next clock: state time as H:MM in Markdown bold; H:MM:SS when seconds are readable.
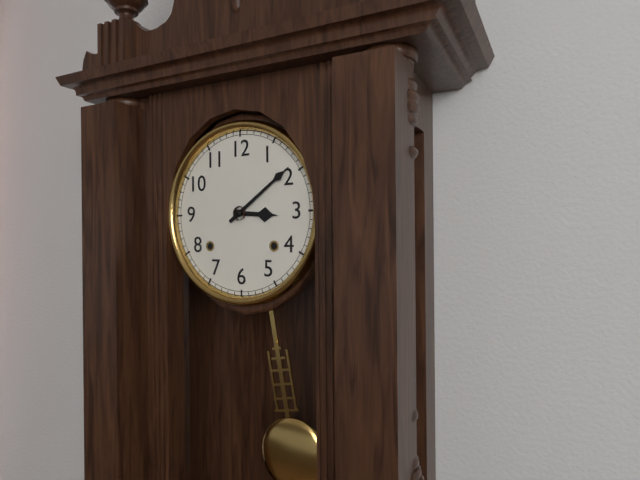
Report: **3:09**
